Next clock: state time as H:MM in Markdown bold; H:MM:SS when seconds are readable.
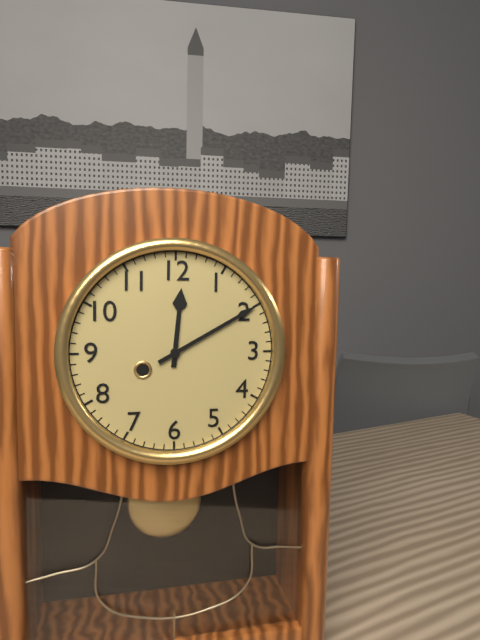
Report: **12:10**
